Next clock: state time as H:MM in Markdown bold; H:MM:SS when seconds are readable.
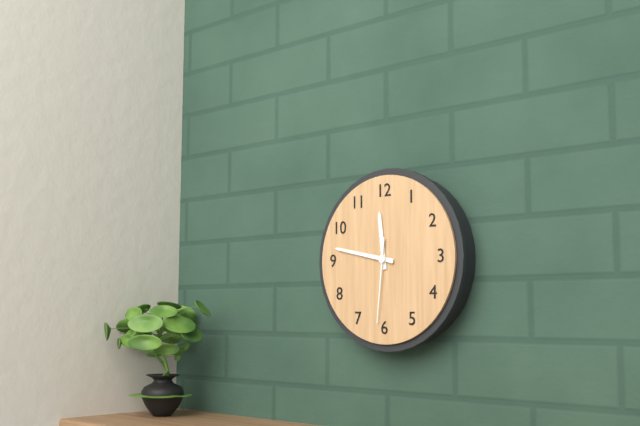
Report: **11:47:31**
